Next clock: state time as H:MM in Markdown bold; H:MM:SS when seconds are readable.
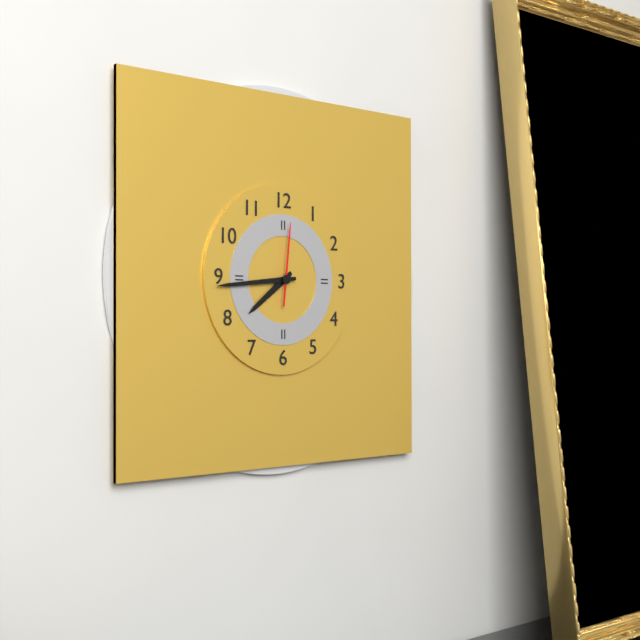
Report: **7:44:01**
